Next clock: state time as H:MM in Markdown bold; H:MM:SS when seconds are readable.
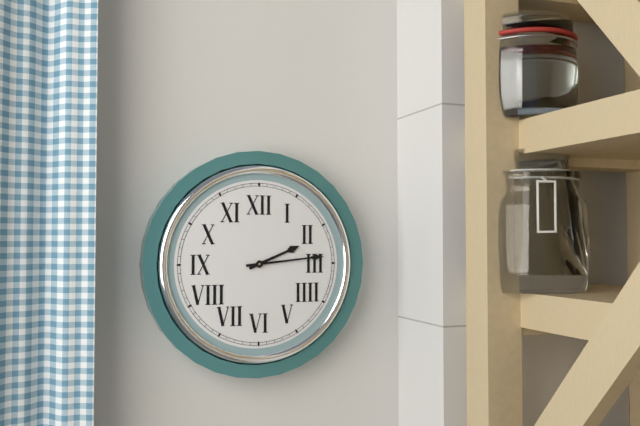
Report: **2:14**
